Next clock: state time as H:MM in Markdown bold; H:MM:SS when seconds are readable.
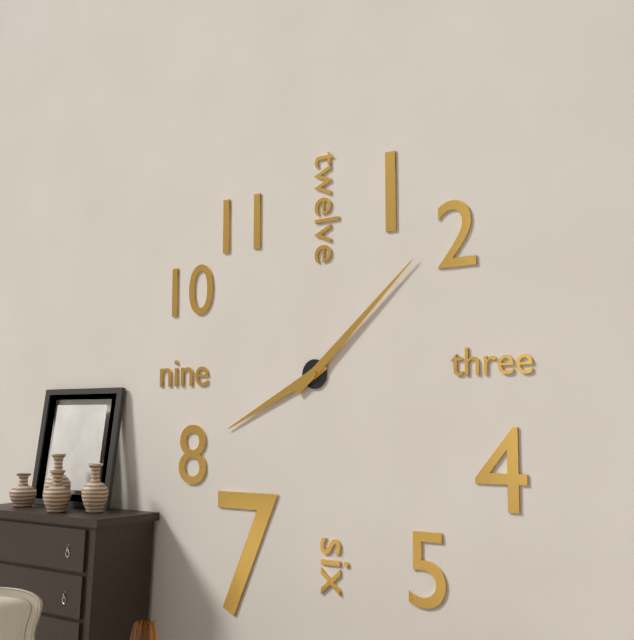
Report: **8:08**
